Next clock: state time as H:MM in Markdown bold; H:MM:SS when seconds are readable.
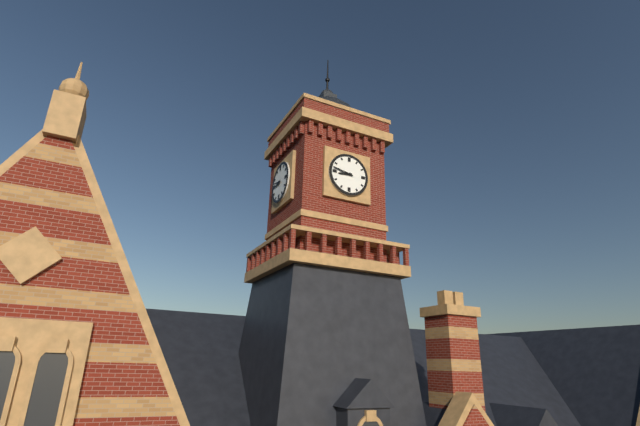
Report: **8:47**
